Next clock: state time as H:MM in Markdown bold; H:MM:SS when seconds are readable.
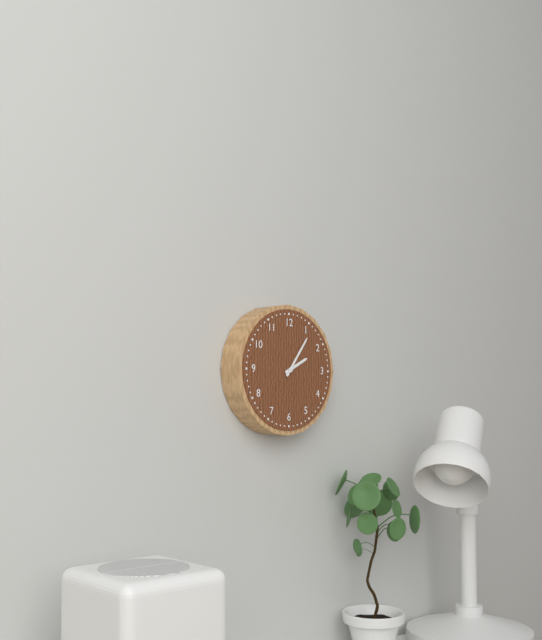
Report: **2:06**
